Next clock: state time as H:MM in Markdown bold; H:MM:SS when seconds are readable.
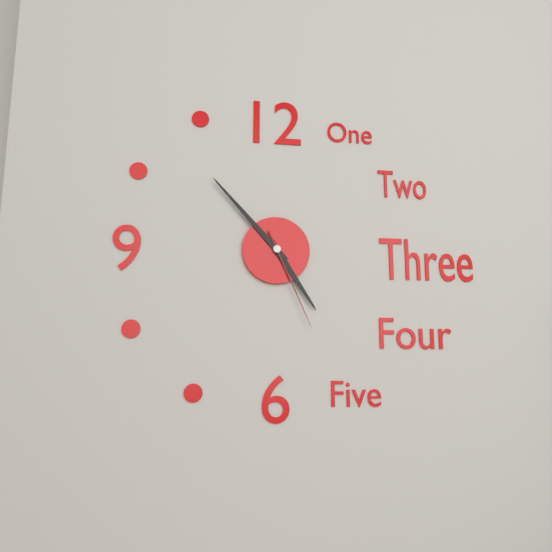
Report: **4:53:26**
